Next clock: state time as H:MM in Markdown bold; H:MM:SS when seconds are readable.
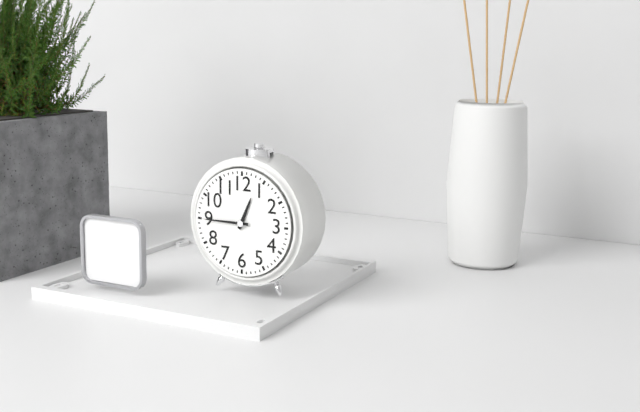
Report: **12:45**
